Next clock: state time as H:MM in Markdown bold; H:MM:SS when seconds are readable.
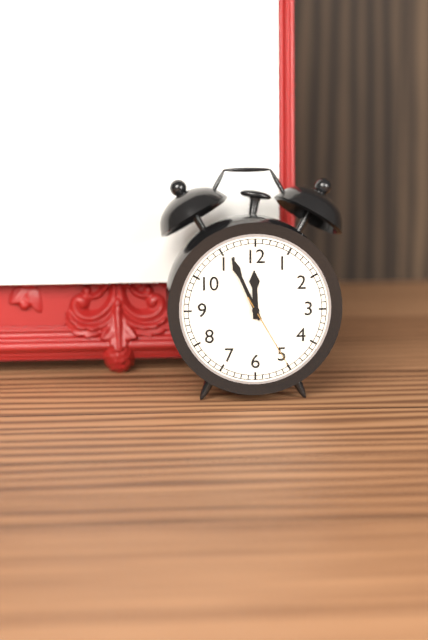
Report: **11:56:25**
